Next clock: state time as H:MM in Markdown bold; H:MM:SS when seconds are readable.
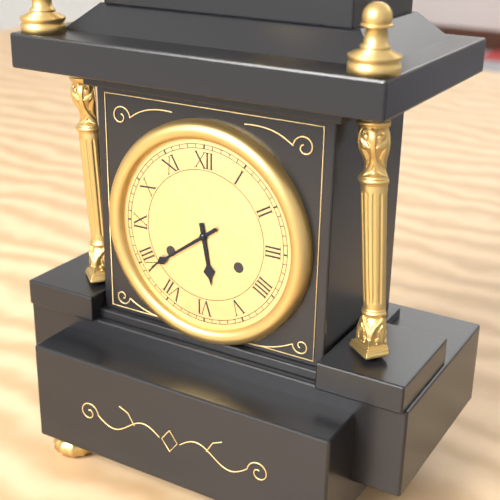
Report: **5:39**
